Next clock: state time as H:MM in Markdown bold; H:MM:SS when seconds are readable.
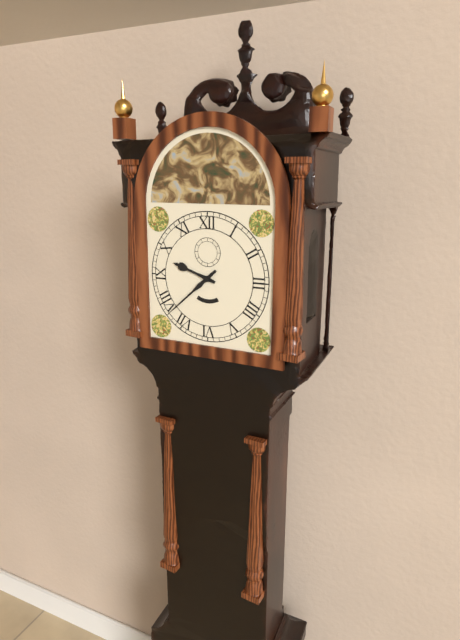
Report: **9:38**
